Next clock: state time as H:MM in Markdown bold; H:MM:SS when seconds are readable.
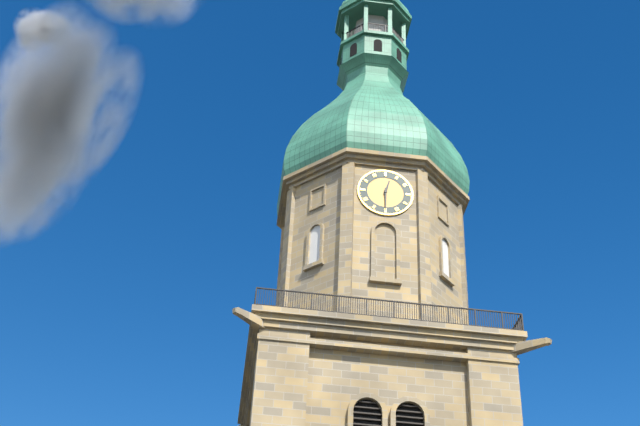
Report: **12:30**
